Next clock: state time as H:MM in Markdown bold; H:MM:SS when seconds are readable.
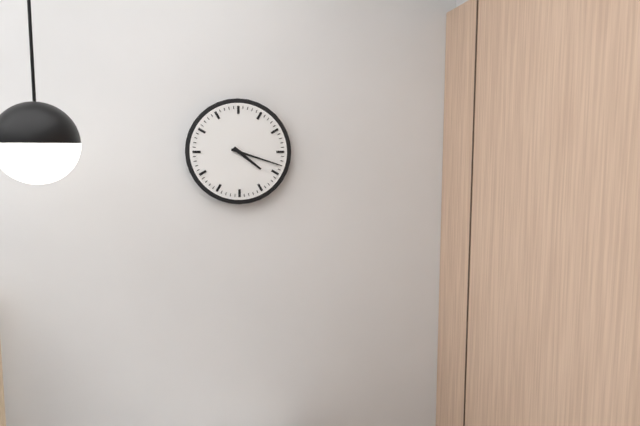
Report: **4:18**
